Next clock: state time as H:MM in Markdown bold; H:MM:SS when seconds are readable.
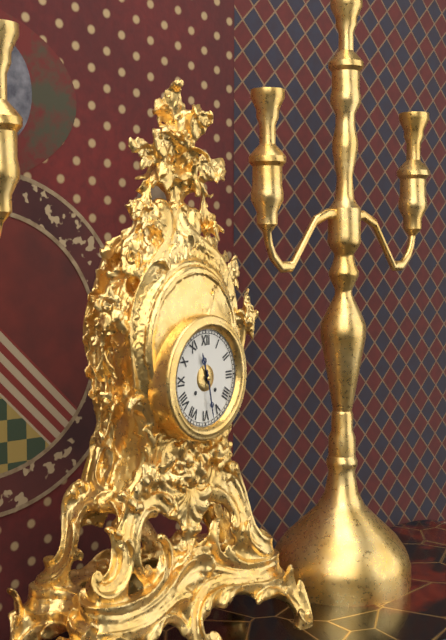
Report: **11:28**
